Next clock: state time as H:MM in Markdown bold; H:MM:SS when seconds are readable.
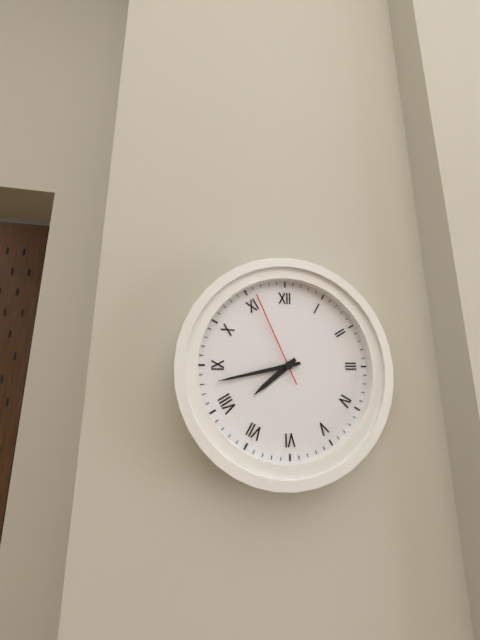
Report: **7:43:56**
